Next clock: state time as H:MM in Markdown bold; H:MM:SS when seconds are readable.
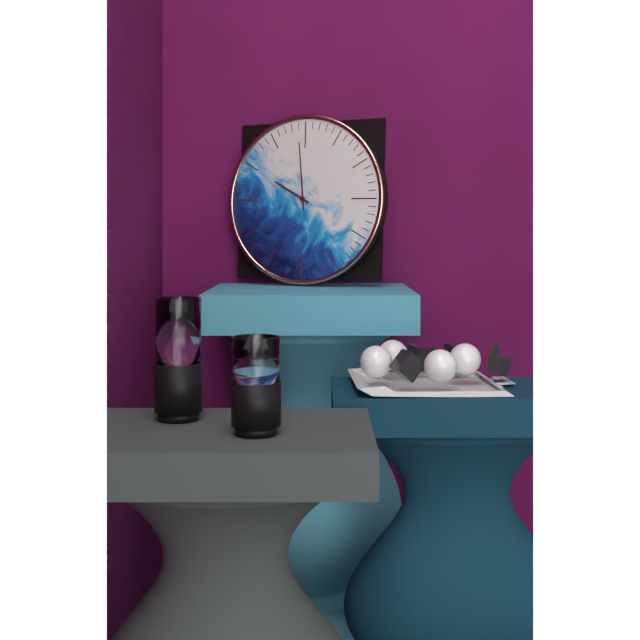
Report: **9:59**
